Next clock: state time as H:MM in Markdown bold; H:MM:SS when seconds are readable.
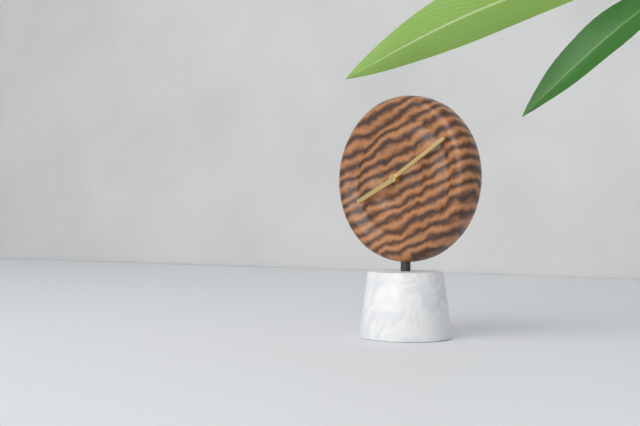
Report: **8:10**
